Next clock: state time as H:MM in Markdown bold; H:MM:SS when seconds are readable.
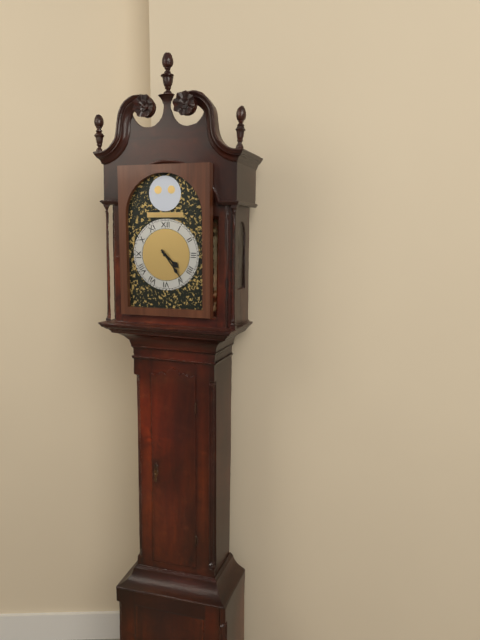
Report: **4:24**
